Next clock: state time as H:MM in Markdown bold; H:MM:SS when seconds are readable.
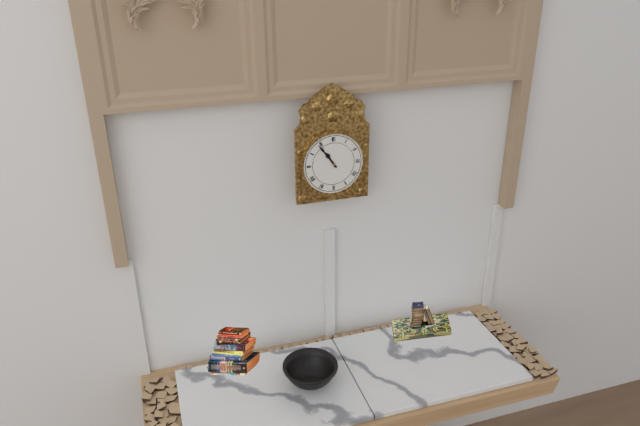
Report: **10:54**
